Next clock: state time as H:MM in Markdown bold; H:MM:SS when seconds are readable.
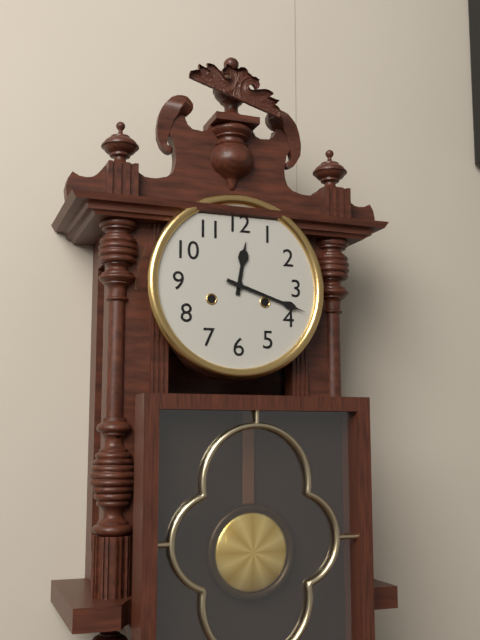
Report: **12:18**
